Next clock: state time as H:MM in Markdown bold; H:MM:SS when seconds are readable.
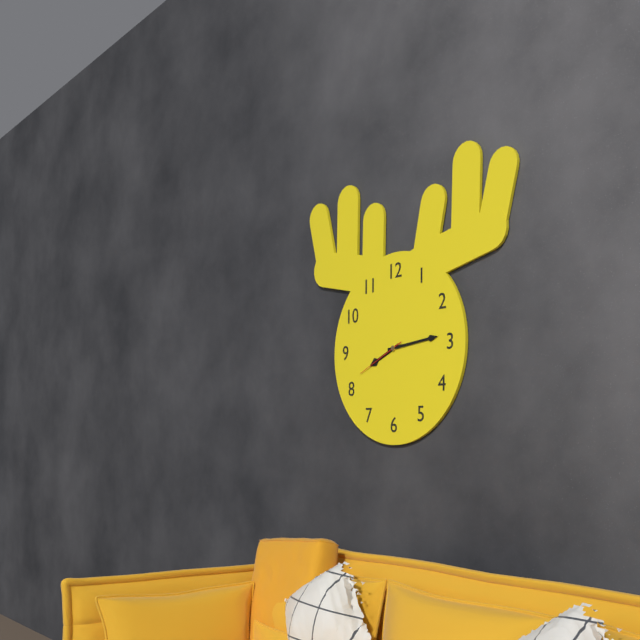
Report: **8:14:41**
